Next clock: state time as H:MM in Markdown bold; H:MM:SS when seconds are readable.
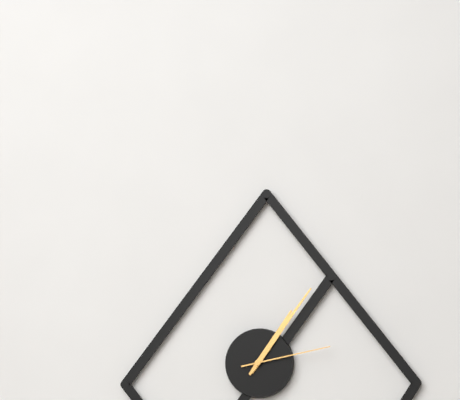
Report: **1:06:13**
